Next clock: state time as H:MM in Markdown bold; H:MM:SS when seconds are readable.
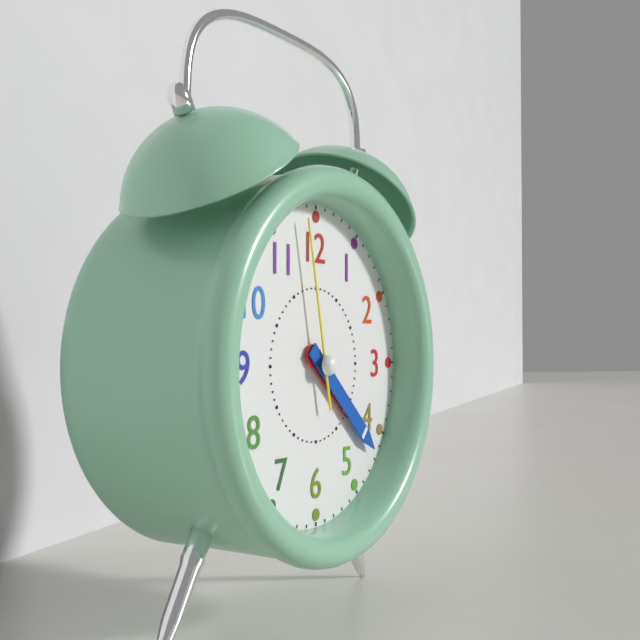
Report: **4:22:58**
